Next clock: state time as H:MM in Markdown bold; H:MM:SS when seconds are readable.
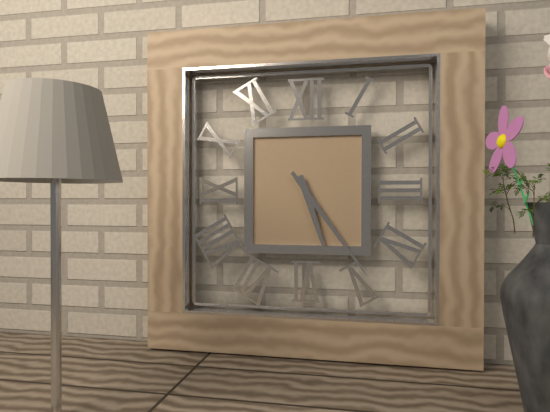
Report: **5:24**
